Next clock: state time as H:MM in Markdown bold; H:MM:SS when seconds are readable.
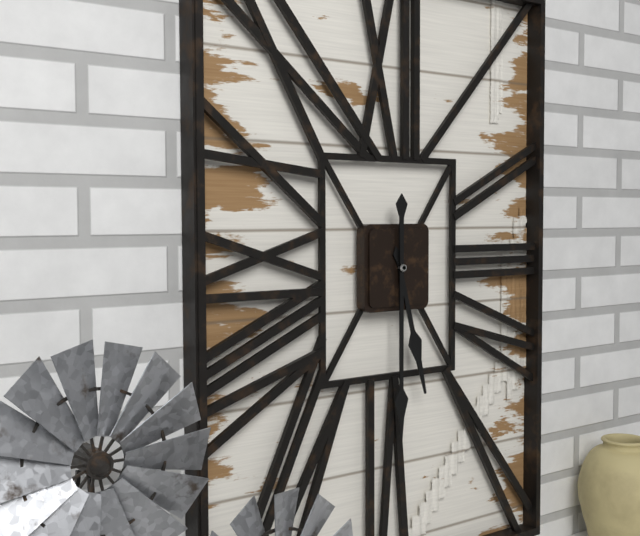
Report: **5:30**
